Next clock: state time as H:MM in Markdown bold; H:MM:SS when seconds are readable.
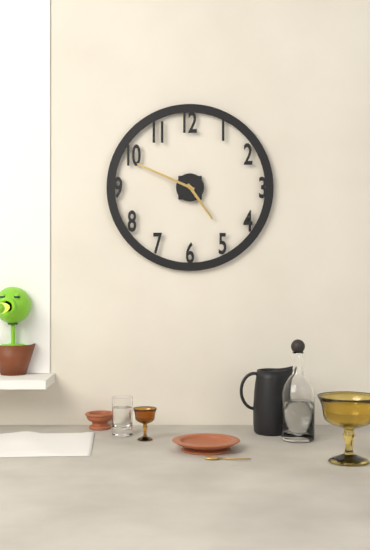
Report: **4:49**
